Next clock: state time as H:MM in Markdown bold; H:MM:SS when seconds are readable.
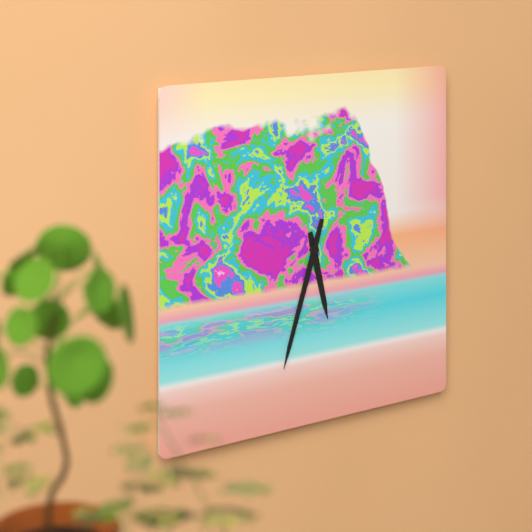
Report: **5:33**
